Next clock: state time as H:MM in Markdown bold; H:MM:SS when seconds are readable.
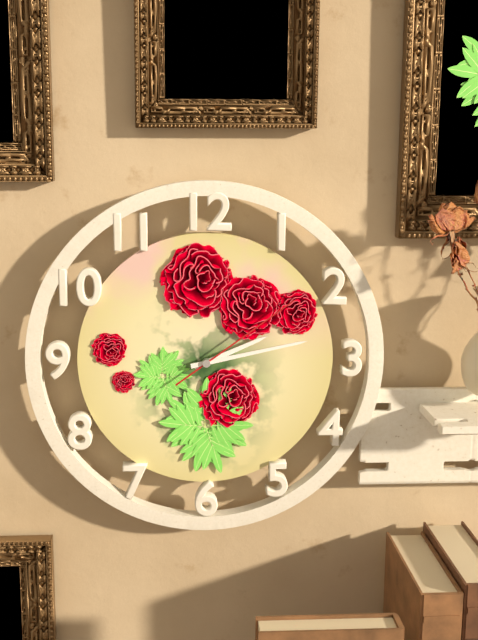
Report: **2:13:09**
